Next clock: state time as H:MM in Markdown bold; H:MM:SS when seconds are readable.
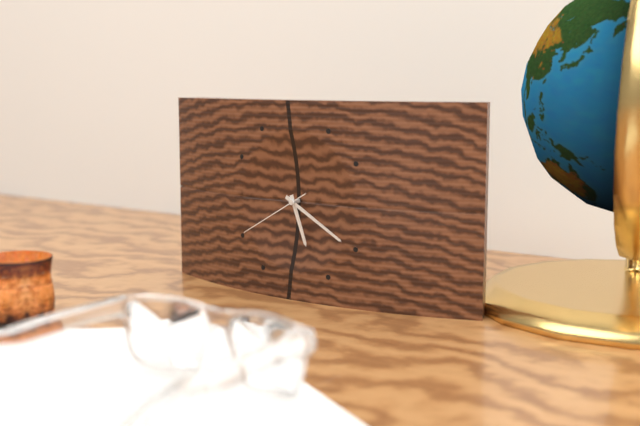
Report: **5:20:40**
